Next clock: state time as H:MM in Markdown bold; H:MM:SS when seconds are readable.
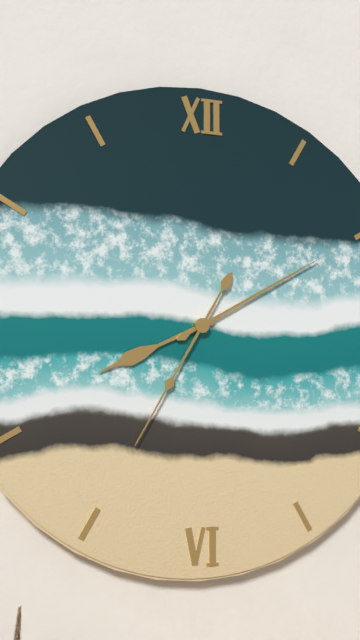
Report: **8:10:35**
